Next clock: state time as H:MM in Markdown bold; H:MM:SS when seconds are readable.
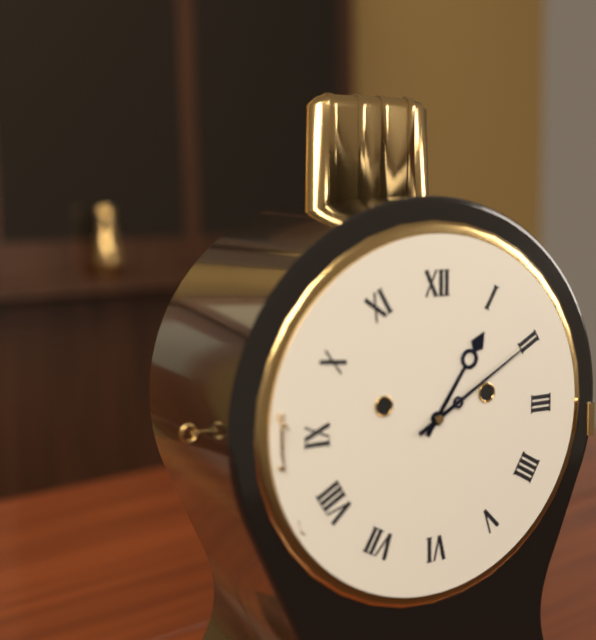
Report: **1:10**
